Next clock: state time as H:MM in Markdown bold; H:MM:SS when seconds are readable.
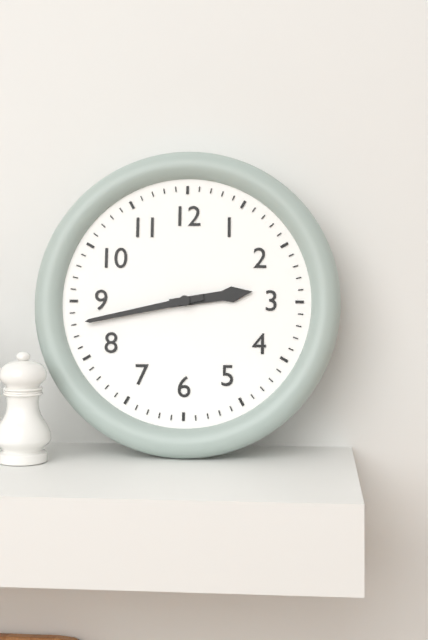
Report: **2:43**
